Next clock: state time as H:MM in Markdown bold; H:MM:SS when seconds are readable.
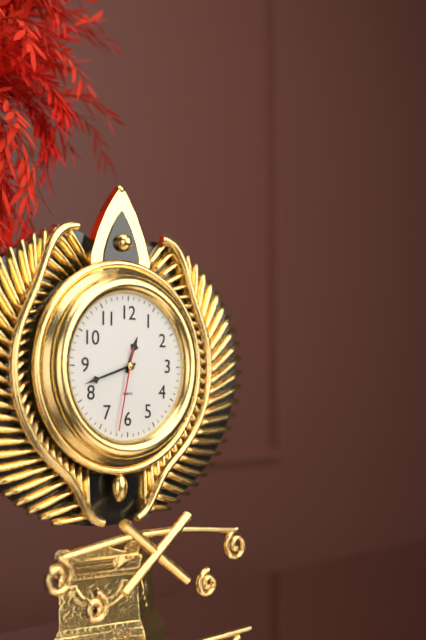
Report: **12:42:32**
